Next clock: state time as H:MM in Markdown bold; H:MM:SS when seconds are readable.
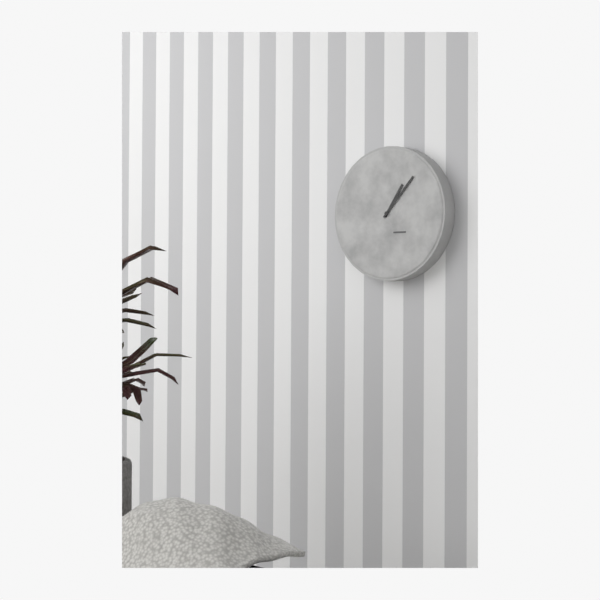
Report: **1:07**
